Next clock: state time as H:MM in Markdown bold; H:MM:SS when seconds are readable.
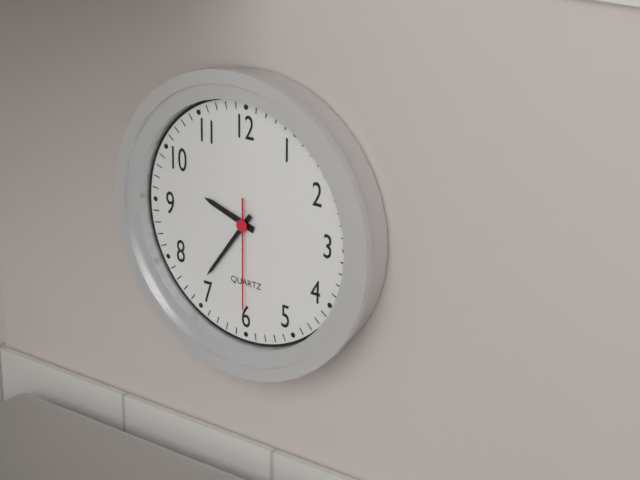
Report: **9:36:30**
